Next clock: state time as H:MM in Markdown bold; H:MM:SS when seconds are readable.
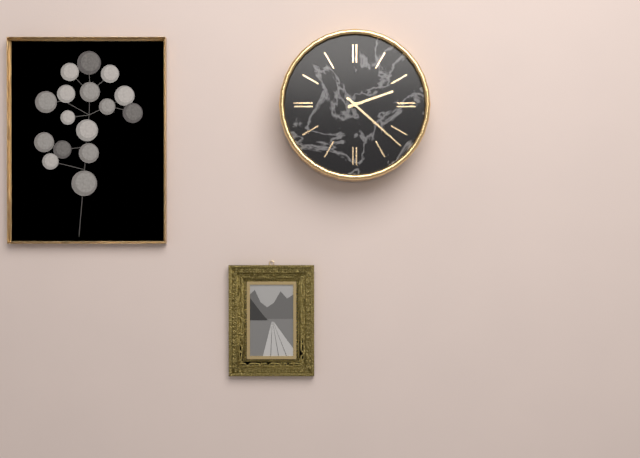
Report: **2:22**
